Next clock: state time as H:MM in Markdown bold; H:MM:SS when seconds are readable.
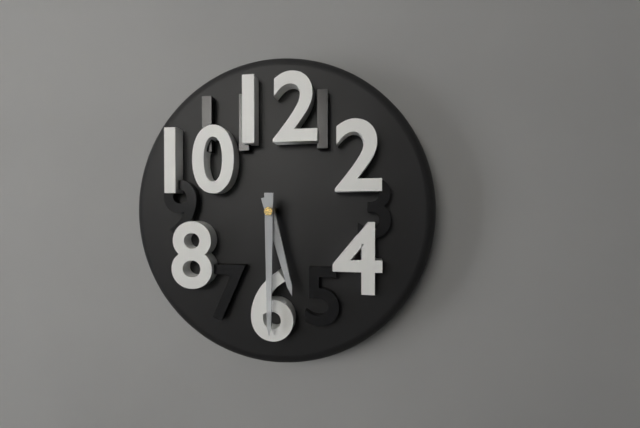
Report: **5:30**
